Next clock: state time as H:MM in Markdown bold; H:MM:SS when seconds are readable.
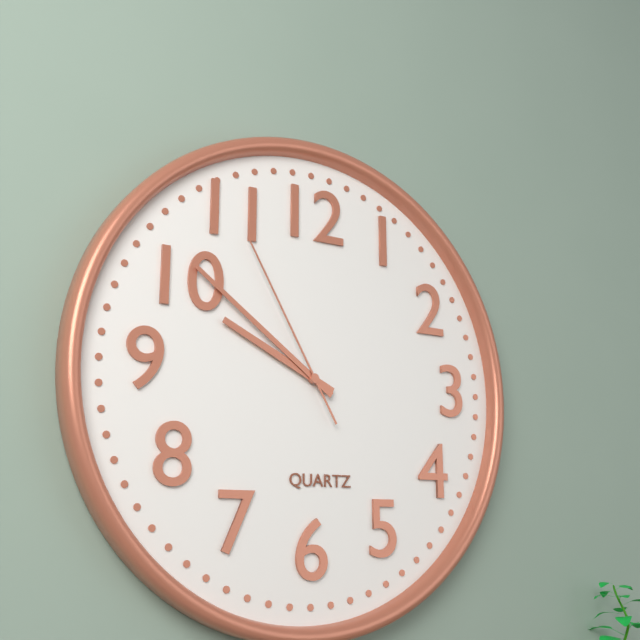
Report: **9:51:55**
